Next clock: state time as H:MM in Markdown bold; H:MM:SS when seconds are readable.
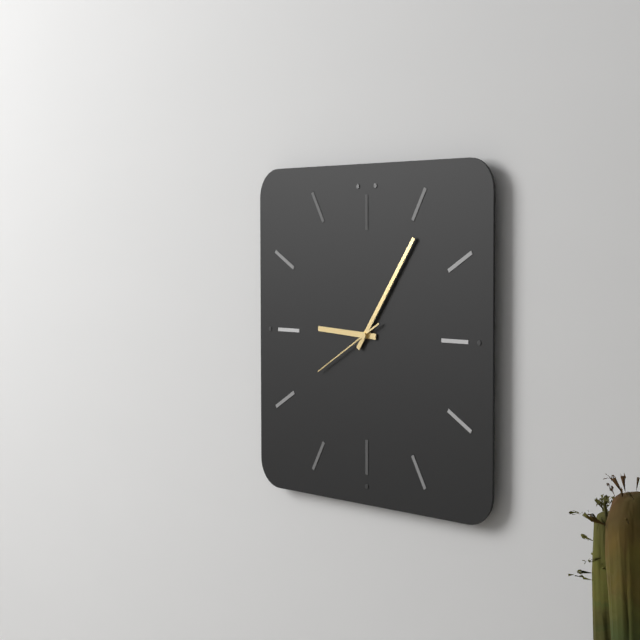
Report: **9:06:40**
